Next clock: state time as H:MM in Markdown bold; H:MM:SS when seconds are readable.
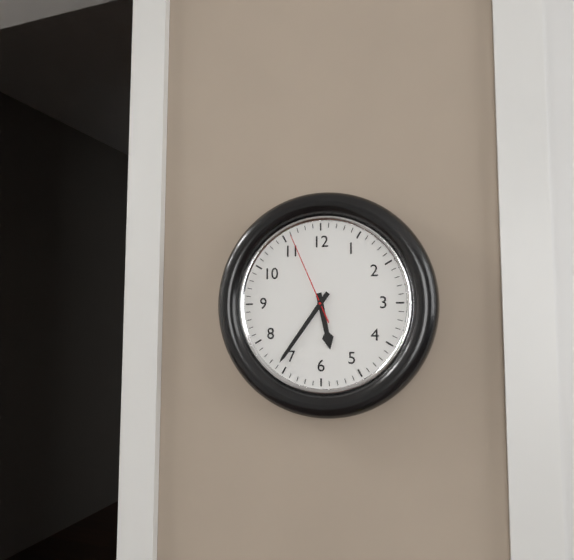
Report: **5:36:56**
